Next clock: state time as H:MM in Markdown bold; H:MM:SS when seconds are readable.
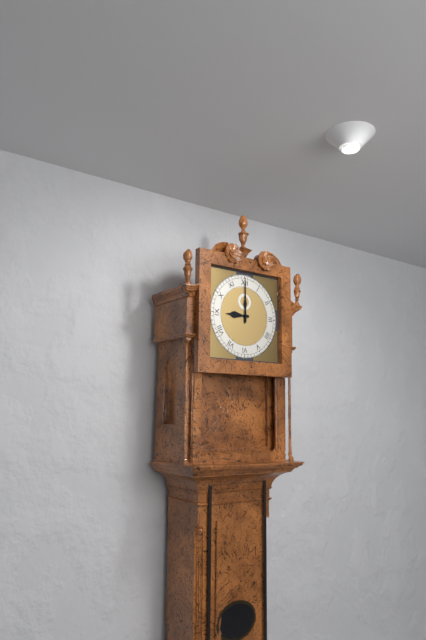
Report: **9:00**
